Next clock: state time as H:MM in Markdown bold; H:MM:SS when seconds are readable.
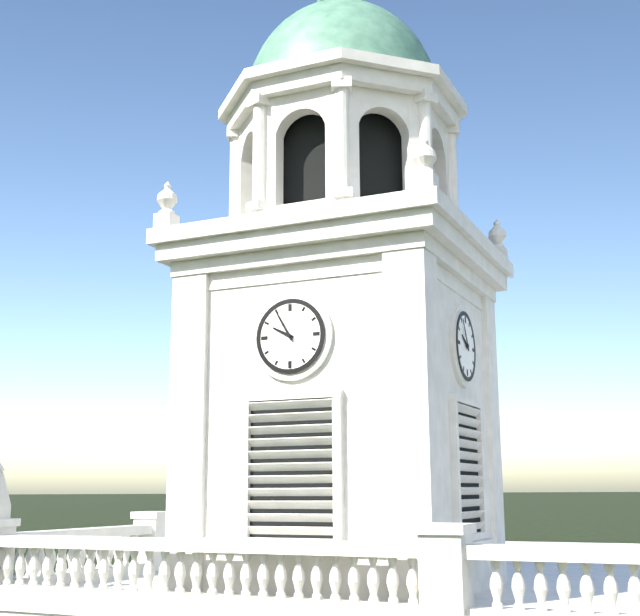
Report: **9:55**
